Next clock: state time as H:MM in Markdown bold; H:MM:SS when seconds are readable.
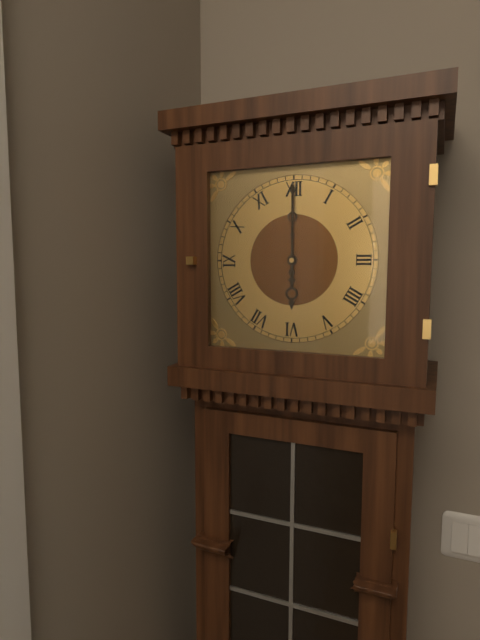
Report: **6:00**
